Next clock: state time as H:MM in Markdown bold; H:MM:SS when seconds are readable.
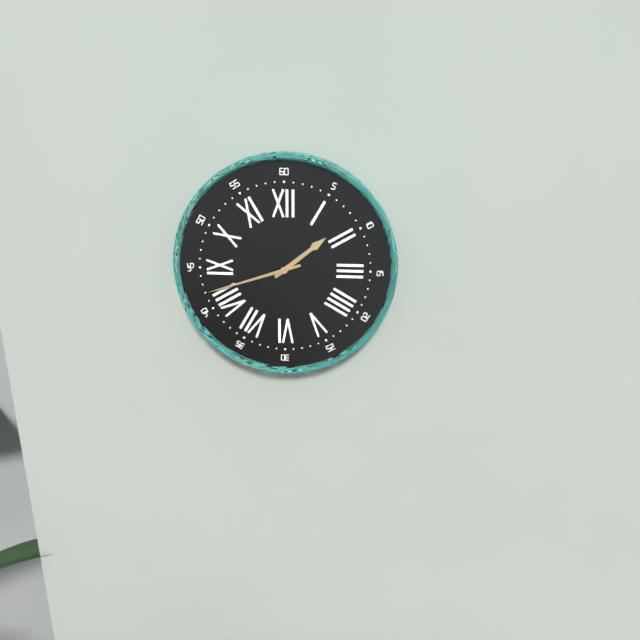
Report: **1:42**
